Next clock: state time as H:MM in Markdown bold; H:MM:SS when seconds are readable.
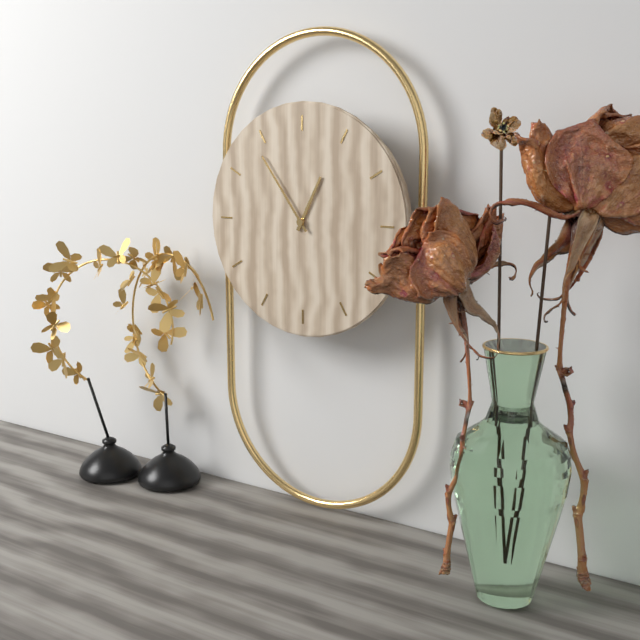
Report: **12:54**
